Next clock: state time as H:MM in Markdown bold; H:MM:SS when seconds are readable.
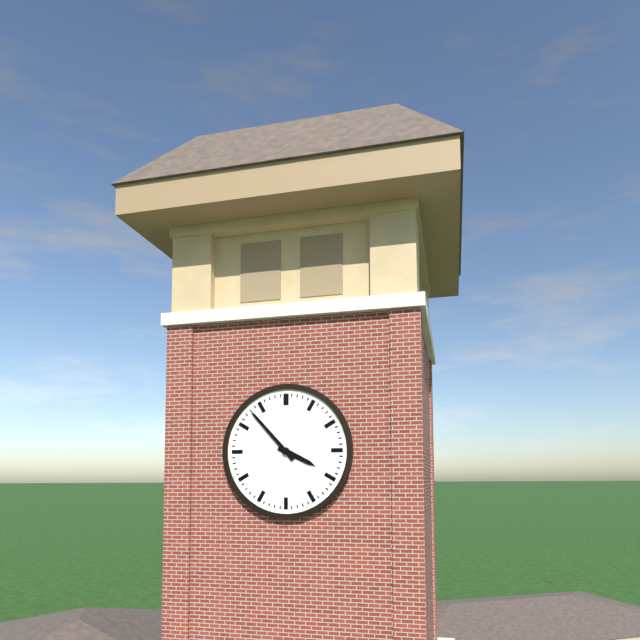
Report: **3:53**
